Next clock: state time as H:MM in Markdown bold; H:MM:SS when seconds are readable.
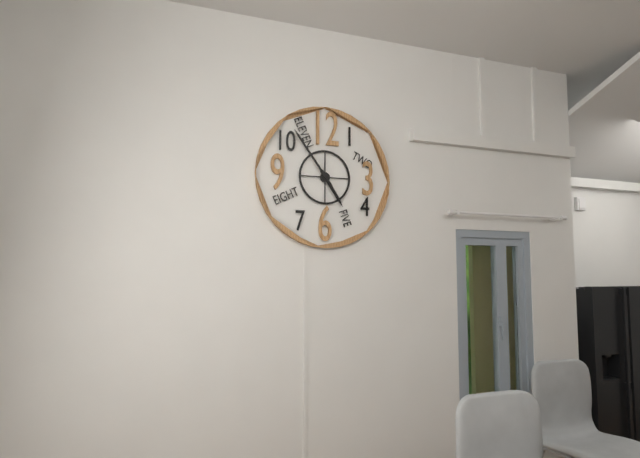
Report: **4:54**
